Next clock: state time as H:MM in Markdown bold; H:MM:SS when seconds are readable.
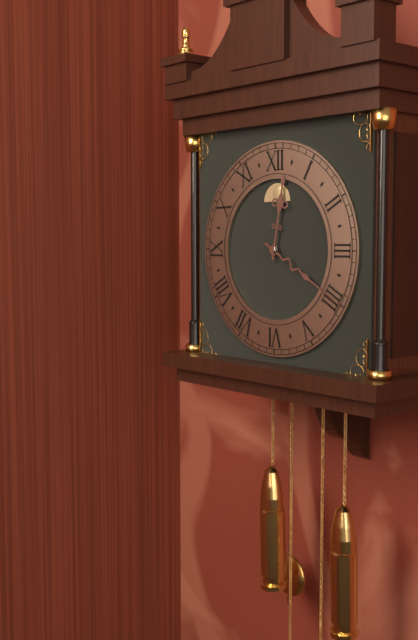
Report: **12:20**
